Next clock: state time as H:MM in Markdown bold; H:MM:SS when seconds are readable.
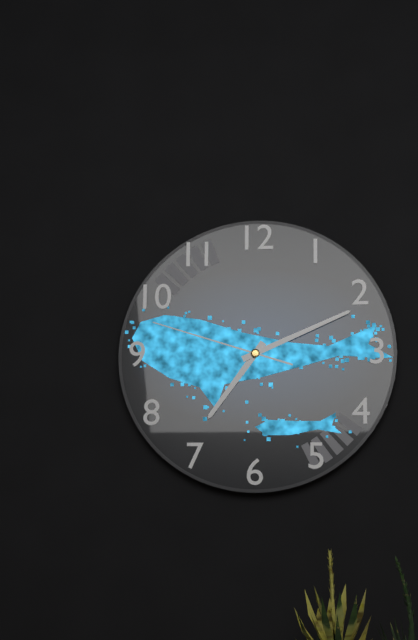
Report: **7:11:48**
